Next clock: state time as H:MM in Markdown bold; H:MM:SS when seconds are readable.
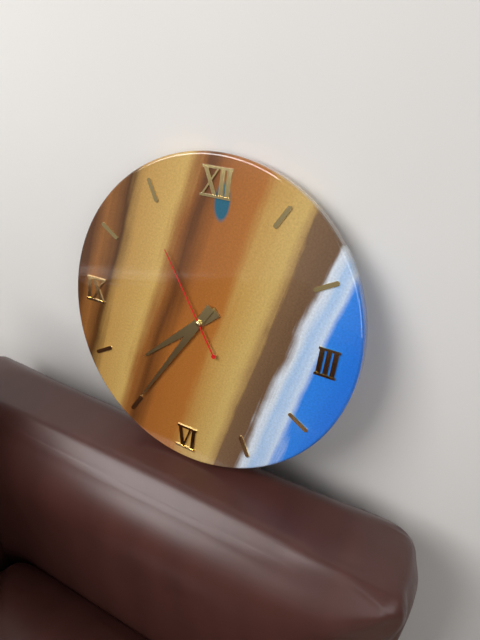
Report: **7:35:54**
